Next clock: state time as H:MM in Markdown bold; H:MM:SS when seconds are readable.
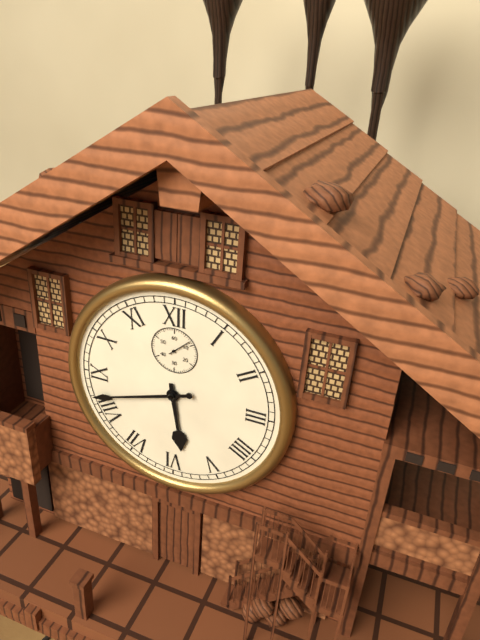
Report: **5:42**
